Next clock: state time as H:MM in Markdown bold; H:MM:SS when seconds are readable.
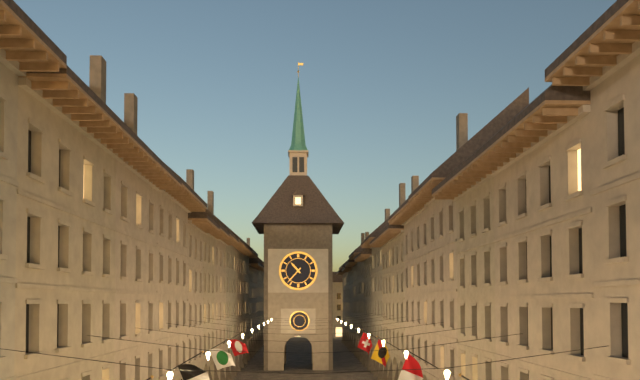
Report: **10:37**
